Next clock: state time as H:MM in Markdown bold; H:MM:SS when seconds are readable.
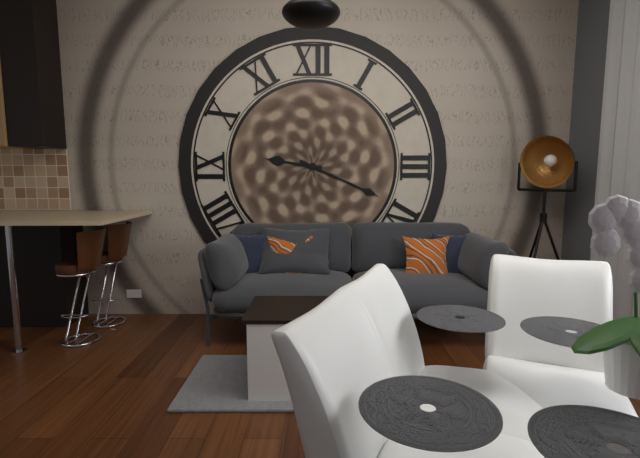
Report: **9:19**
